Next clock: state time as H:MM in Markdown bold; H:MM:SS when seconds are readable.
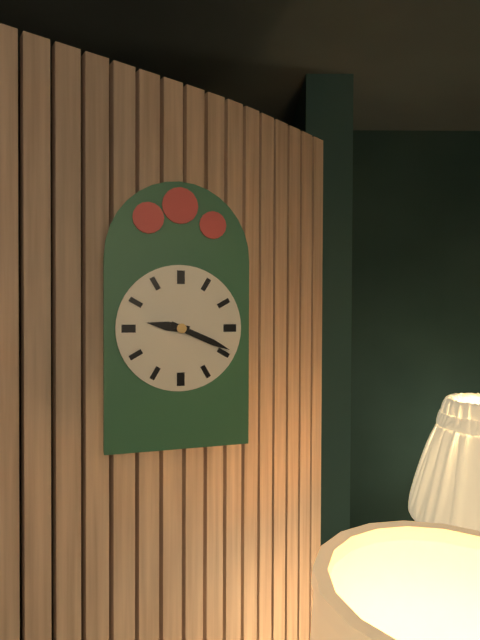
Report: **9:19**
